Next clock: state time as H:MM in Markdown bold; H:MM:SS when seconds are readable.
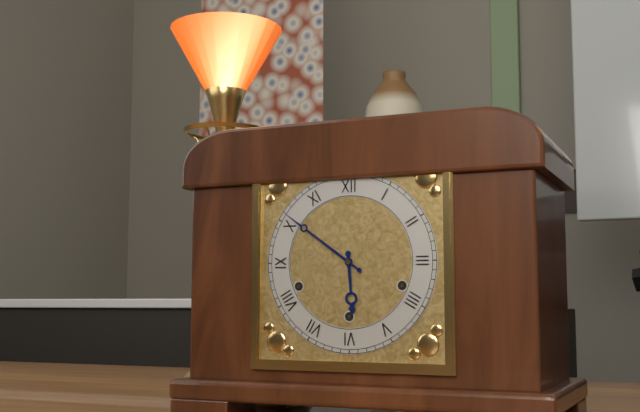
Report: **5:51**
